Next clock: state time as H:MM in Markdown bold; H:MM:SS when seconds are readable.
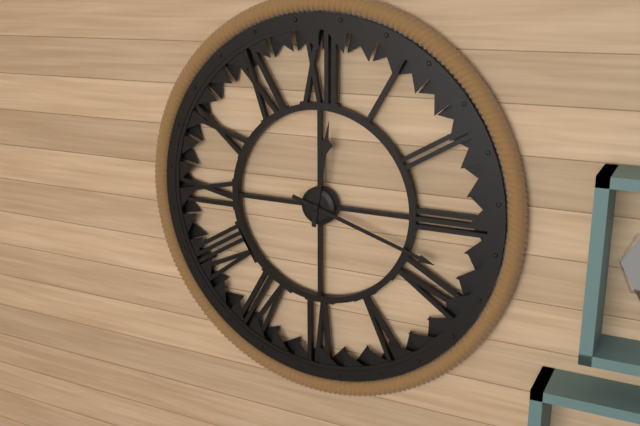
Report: **12:18**
